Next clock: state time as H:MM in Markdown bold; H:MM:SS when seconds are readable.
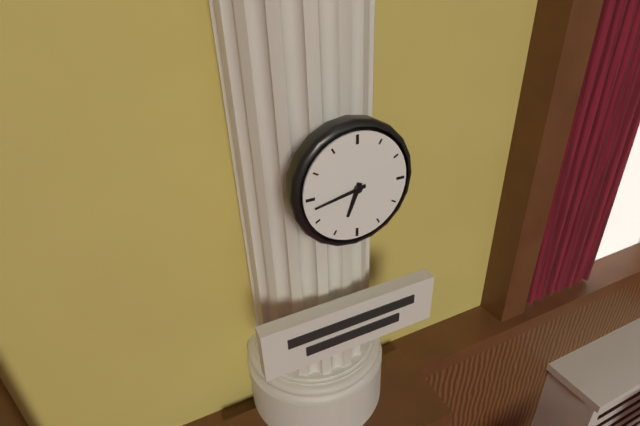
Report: **6:43**
